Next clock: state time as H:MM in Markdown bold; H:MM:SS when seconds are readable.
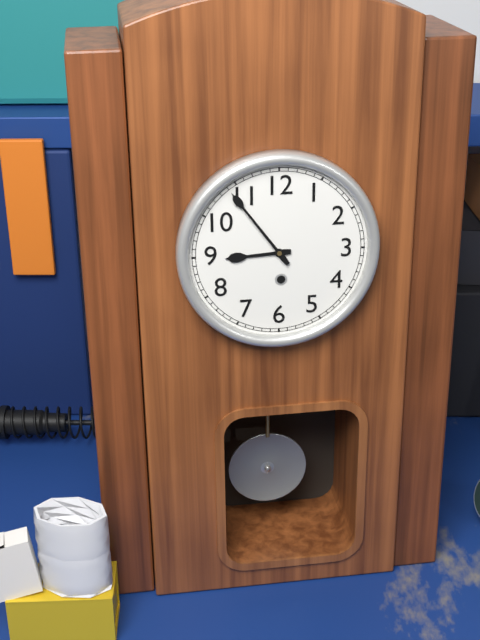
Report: **8:54**
